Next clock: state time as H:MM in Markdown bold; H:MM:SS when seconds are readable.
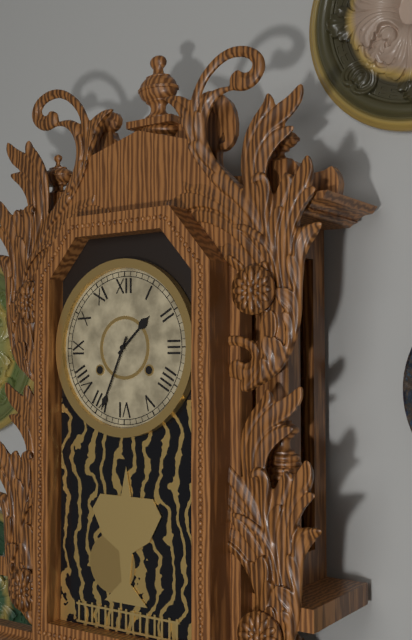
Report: **1:34**
